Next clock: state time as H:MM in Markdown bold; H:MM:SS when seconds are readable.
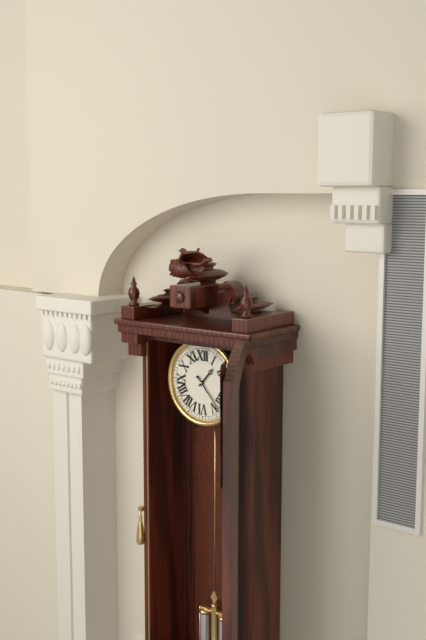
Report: **1:23**
